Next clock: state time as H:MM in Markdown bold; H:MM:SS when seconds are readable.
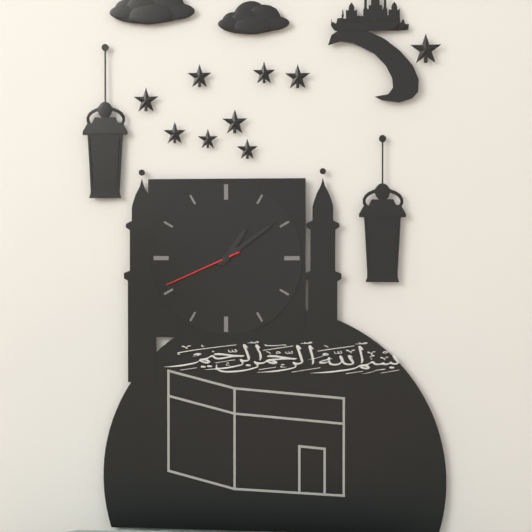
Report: **1:09:41**
